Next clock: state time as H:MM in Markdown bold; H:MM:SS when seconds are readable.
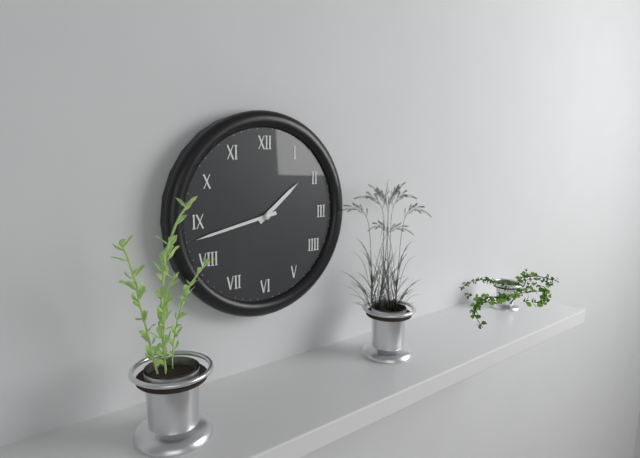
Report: **1:43**
